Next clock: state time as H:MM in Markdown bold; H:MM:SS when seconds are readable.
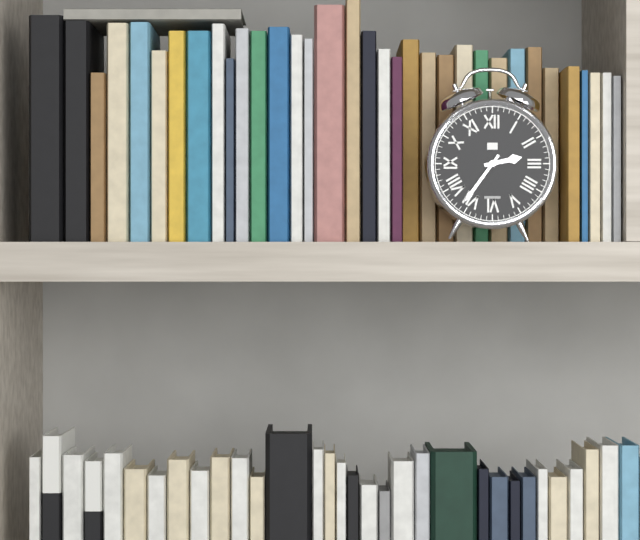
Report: **2:36**
